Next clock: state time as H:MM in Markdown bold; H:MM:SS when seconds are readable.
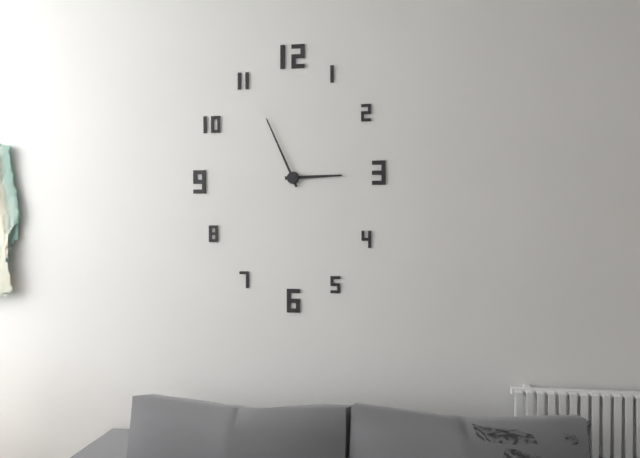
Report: **2:56**
